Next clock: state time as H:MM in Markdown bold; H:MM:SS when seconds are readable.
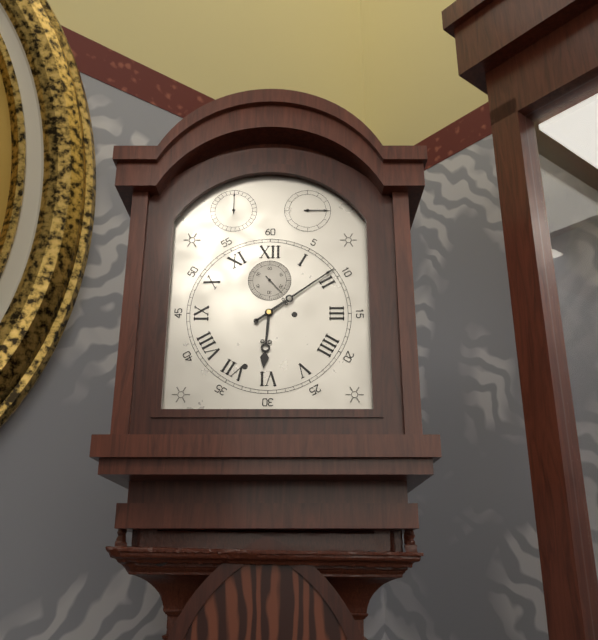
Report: **6:09**
